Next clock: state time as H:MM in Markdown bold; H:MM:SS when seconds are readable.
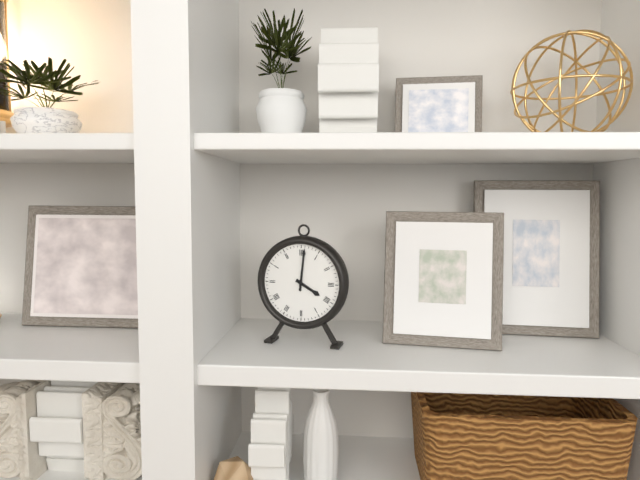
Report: **4:01**
